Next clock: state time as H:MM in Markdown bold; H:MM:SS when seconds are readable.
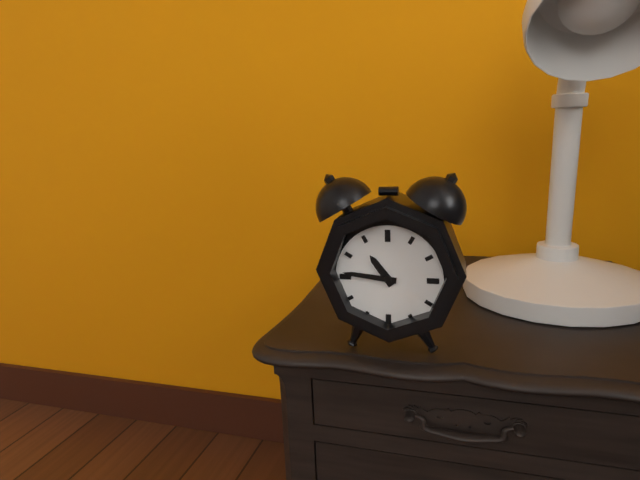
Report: **10:46**
